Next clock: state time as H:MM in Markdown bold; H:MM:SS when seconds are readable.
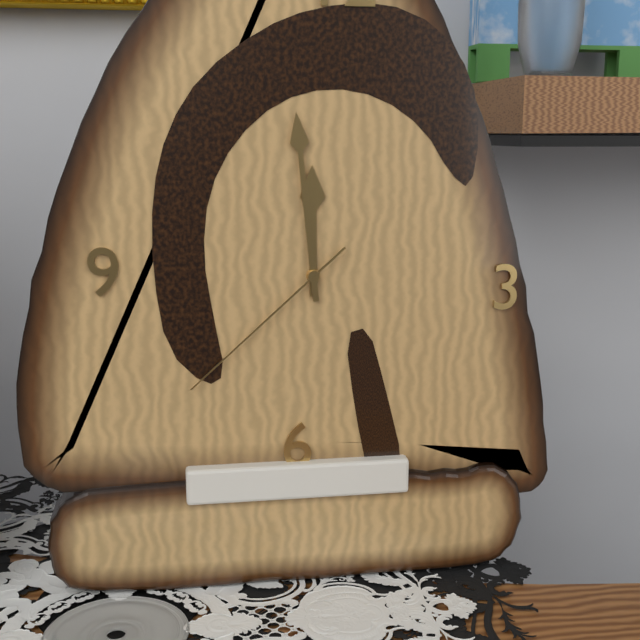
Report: **11:59:38**
